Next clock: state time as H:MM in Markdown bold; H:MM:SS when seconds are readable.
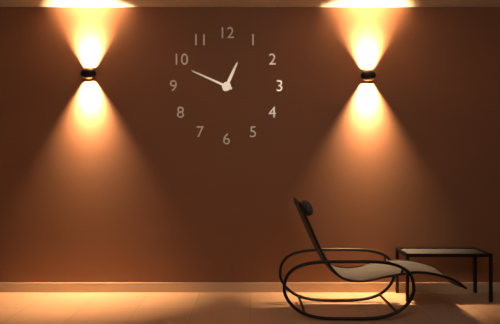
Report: **12:49**
